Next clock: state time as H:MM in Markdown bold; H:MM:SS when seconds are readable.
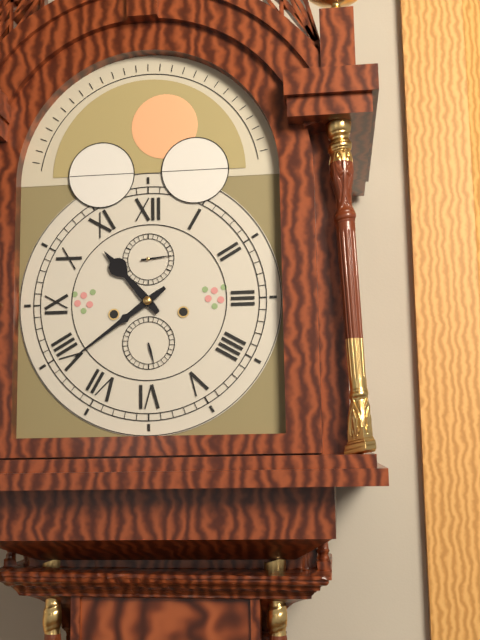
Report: **10:39**
